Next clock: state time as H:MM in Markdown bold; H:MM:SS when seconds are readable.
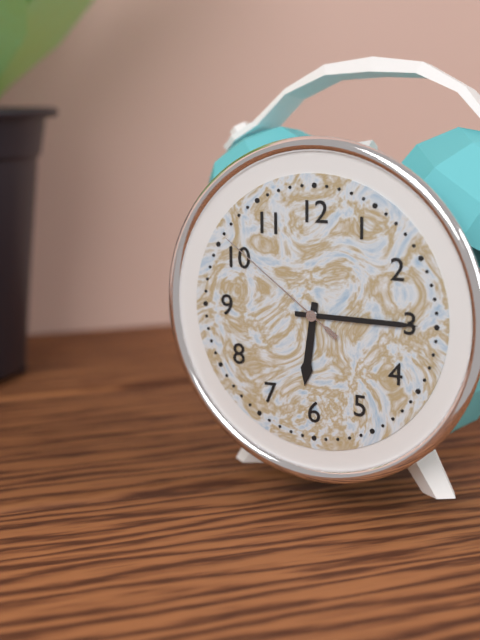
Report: **6:15:51**
